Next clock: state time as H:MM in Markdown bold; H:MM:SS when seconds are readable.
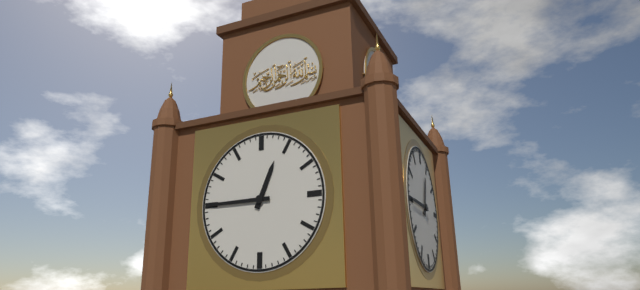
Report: **12:45**
